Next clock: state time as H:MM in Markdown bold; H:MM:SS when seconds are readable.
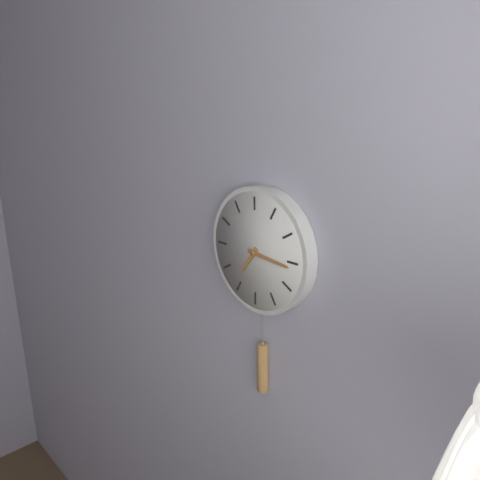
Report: **7:16**
